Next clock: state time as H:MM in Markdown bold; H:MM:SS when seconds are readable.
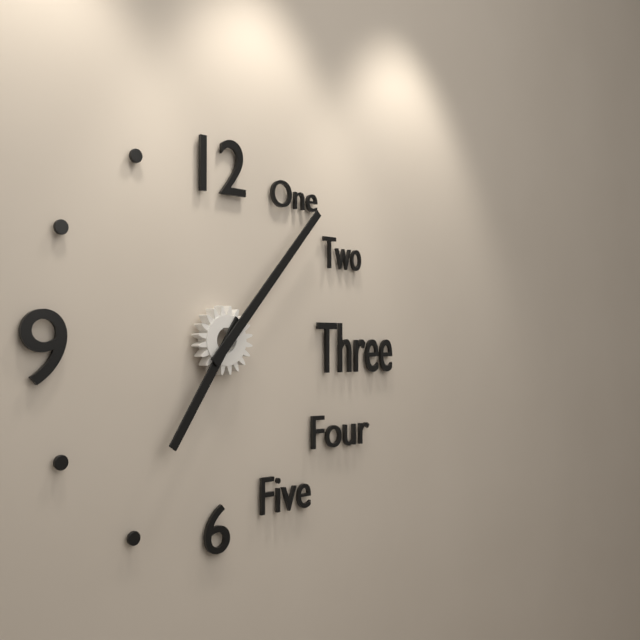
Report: **7:07**
